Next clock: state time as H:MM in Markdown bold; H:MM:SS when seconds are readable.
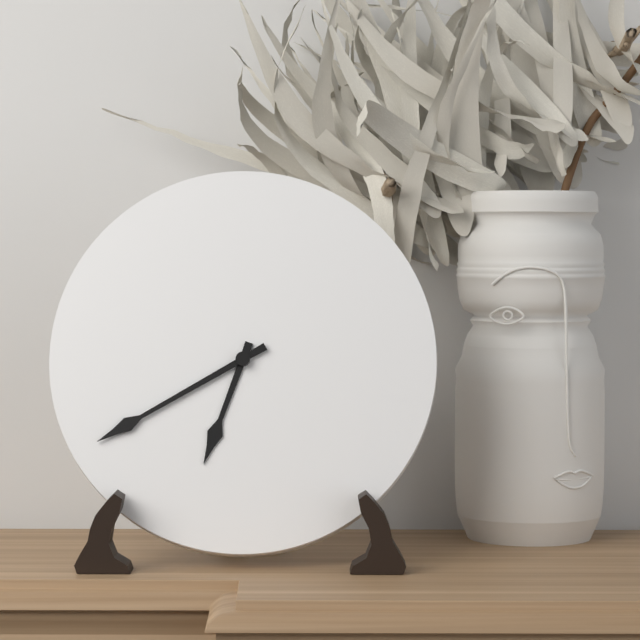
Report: **6:40**
